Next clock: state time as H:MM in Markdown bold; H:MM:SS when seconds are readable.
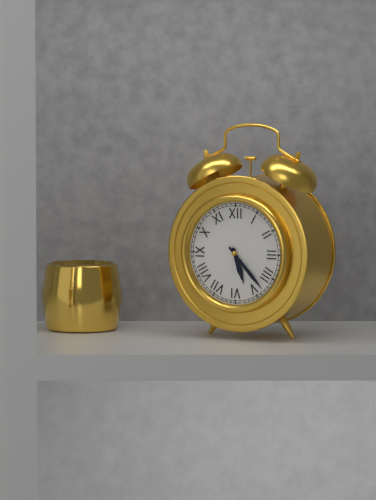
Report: **5:23**
